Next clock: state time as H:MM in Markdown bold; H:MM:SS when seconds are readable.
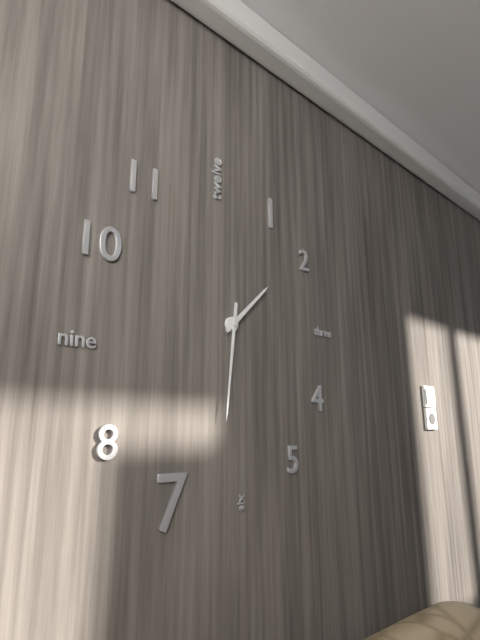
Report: **1:31**
